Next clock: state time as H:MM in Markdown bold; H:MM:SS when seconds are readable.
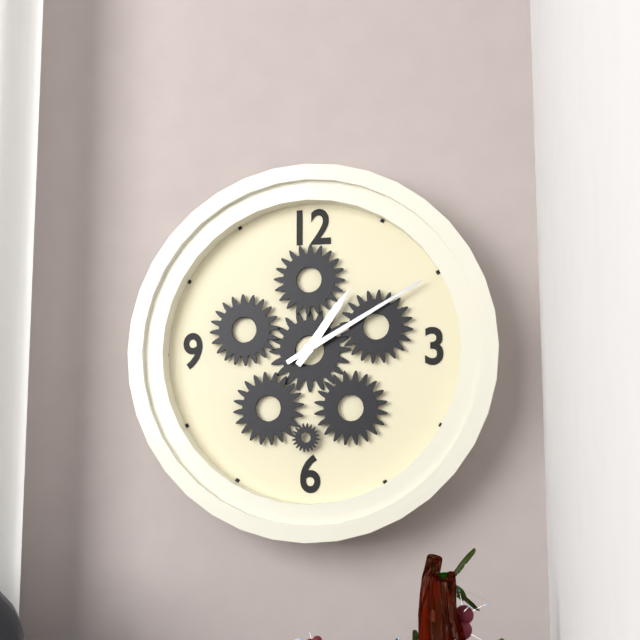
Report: **1:10**
